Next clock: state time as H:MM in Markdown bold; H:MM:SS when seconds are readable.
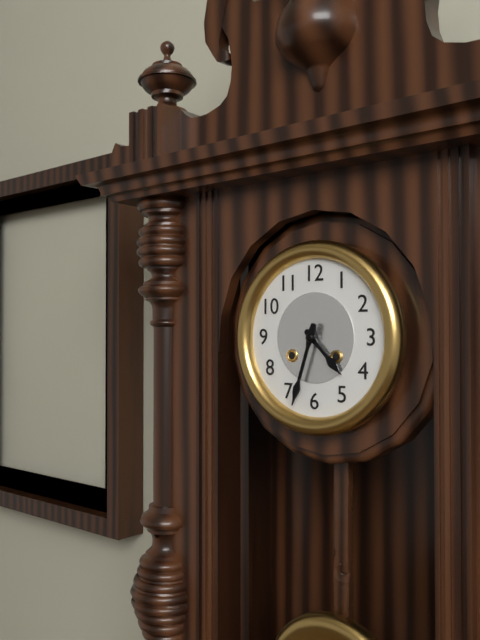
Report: **4:33**
